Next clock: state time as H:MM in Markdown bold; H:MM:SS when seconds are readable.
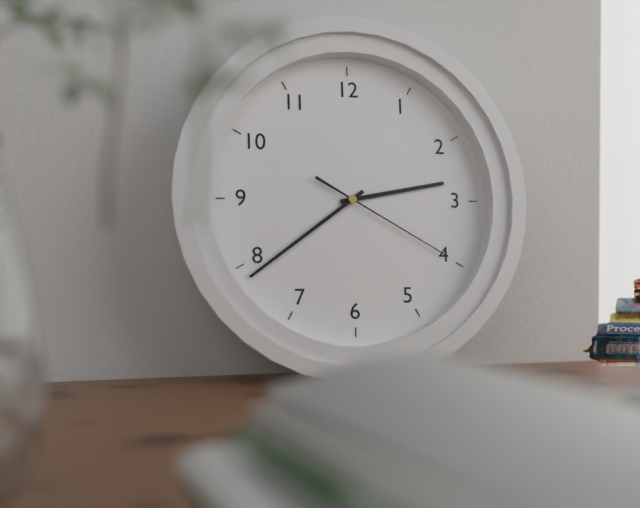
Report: **2:39:20**
